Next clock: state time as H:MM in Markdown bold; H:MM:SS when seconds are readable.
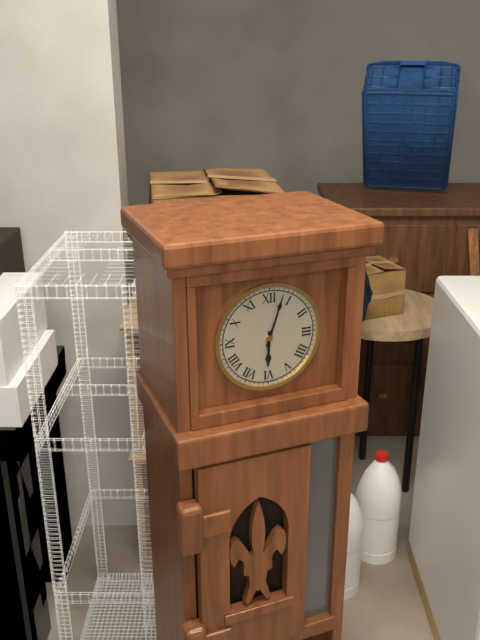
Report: **6:03**
